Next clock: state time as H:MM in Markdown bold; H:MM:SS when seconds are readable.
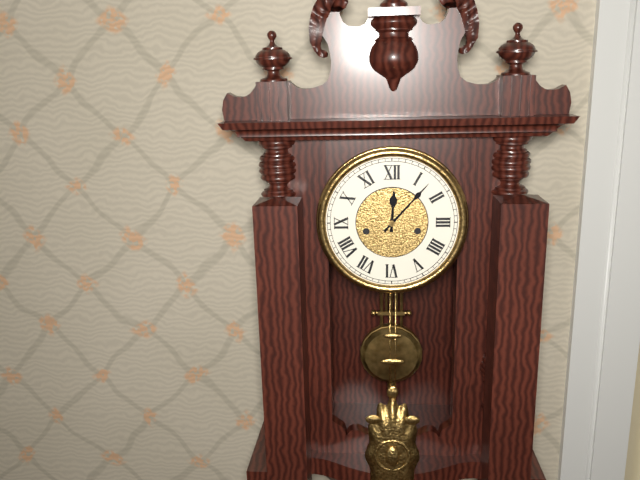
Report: **12:07**
